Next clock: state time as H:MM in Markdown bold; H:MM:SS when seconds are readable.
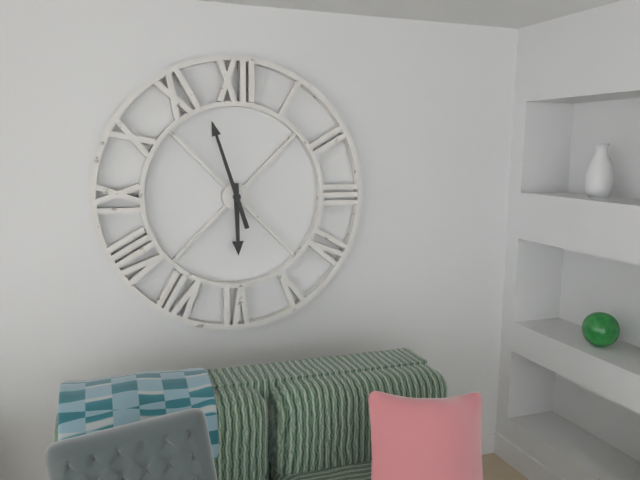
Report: **5:57**
